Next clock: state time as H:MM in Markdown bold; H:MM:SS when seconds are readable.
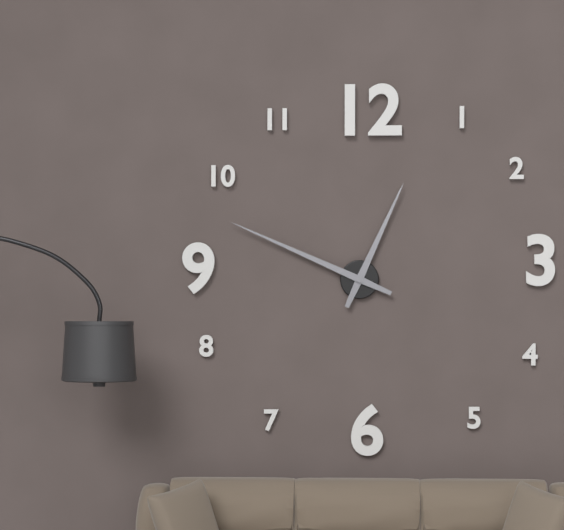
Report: **12:49**
